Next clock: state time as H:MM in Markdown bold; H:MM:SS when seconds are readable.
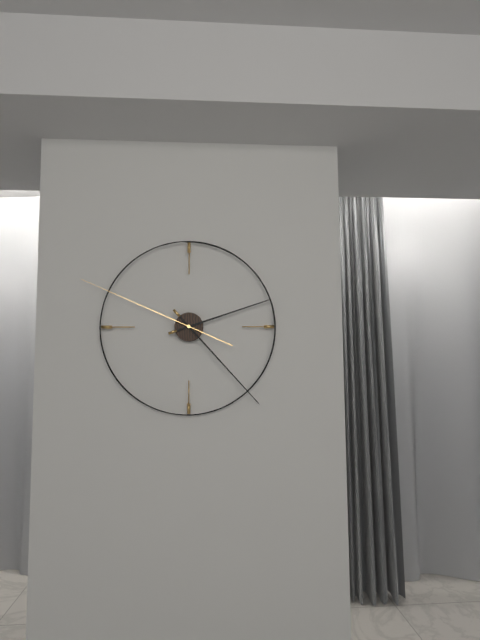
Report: **2:23:49**
